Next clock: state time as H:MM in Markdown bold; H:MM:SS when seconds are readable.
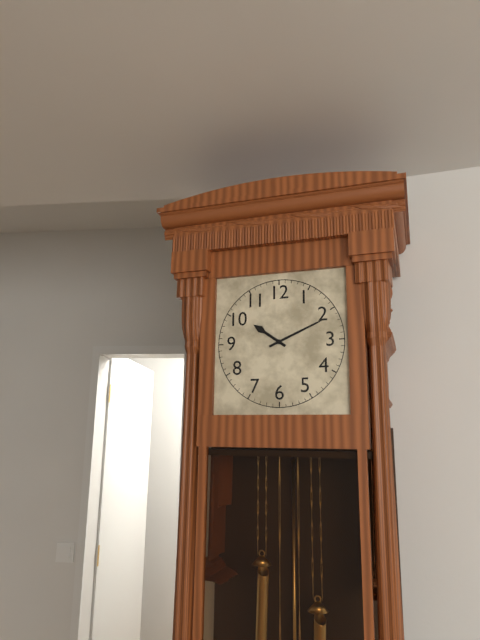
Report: **10:11**
